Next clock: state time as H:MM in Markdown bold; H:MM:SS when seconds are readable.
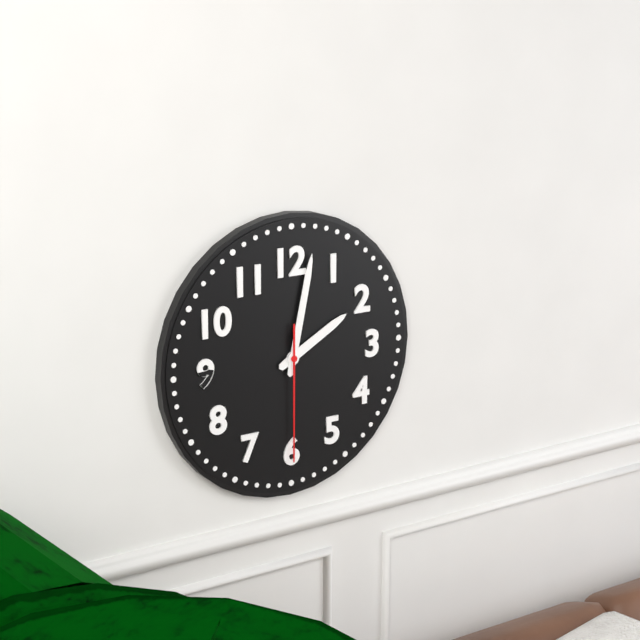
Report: **2:02:30**
